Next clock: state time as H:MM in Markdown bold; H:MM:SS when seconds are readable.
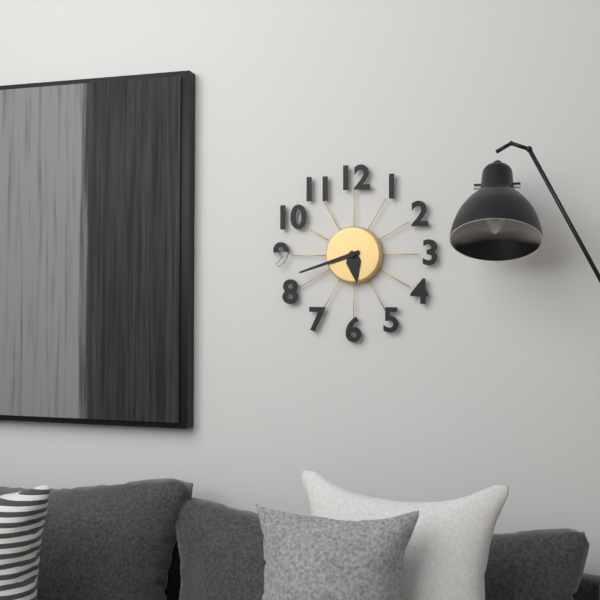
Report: **5:42**
